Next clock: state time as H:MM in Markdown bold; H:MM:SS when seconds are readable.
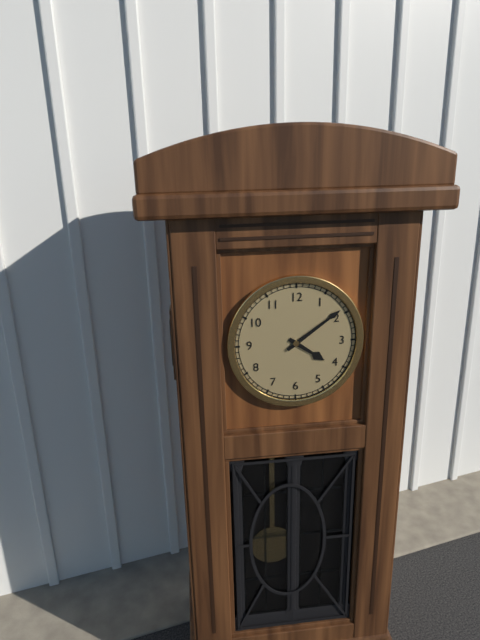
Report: **4:09**
